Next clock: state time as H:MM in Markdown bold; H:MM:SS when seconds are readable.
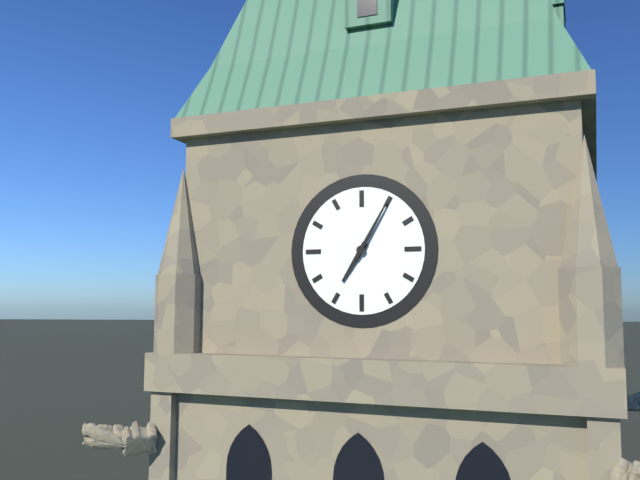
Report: **7:05**
